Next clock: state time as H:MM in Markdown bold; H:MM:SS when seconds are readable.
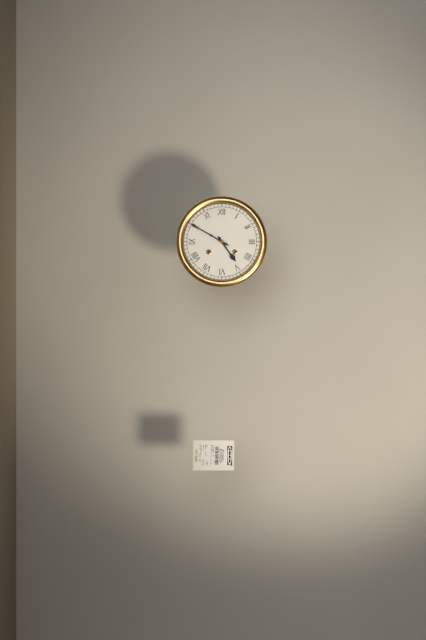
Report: **4:50**
